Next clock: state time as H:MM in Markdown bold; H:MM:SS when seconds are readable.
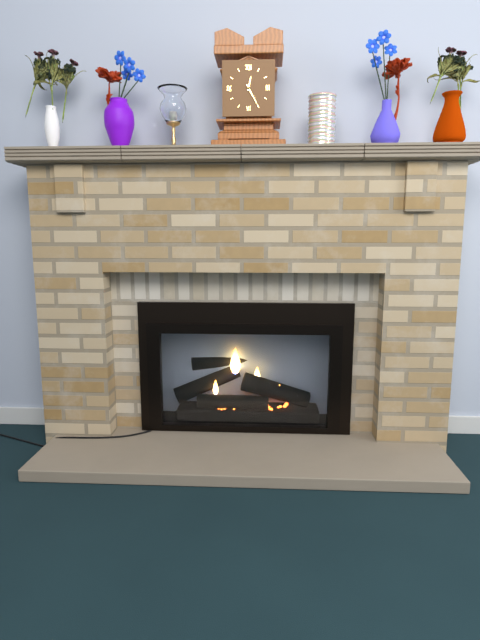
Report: **12:25**
